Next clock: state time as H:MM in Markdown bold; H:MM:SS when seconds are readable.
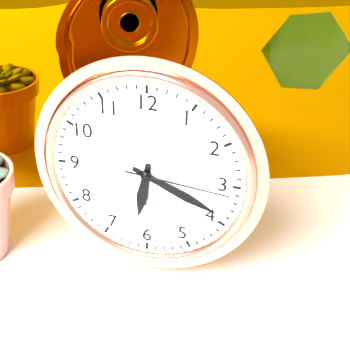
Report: **6:19:16**
